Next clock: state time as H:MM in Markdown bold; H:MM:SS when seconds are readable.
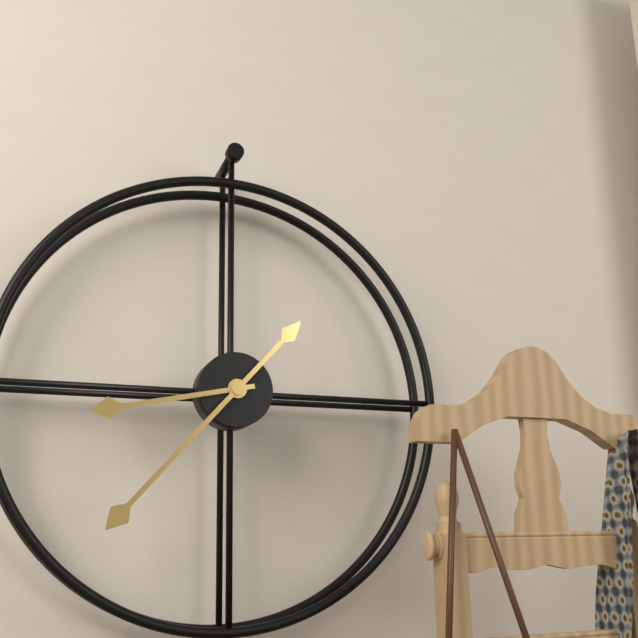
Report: **8:37**
